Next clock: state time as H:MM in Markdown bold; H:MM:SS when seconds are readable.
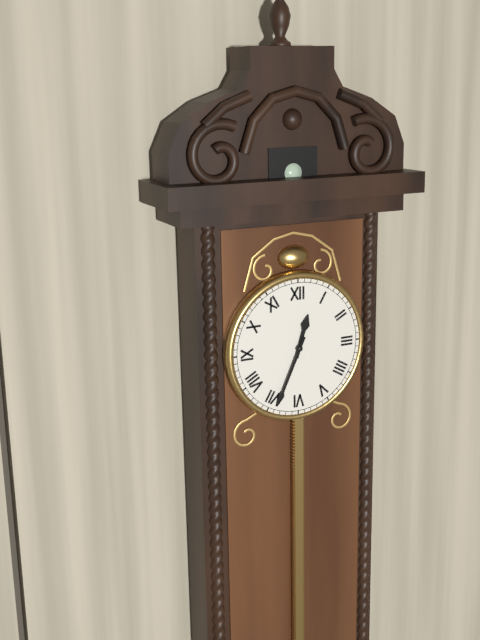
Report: **12:34**
